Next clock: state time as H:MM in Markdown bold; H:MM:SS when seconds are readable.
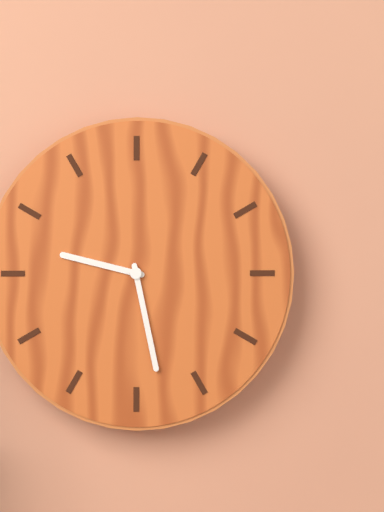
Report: **9:28**
